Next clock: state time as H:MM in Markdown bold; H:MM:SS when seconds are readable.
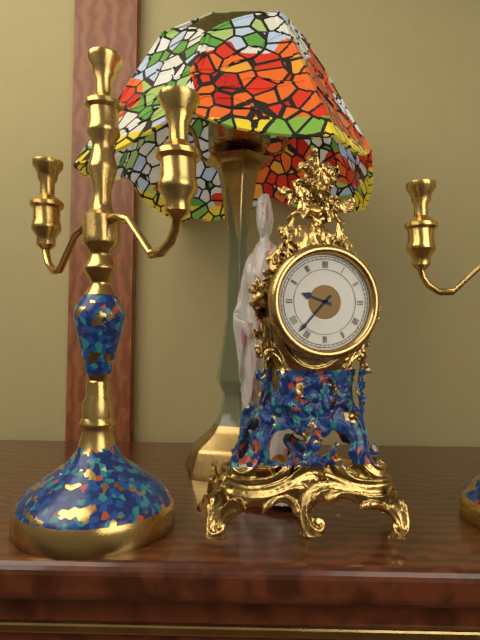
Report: **9:37**
